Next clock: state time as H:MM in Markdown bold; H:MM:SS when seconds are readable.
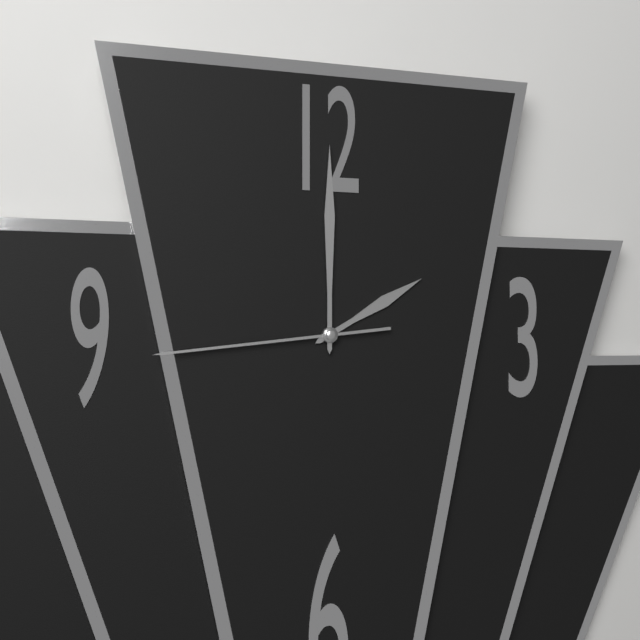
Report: **2:00:44**
